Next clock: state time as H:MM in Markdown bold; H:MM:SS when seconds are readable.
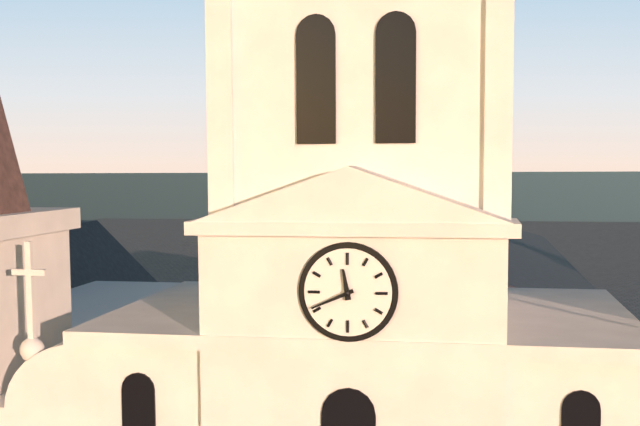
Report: **11:41**
